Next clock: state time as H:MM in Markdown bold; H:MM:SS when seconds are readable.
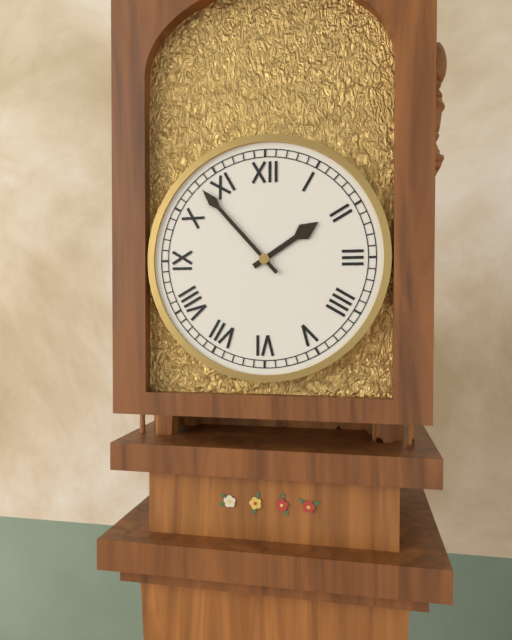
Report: **1:53**
